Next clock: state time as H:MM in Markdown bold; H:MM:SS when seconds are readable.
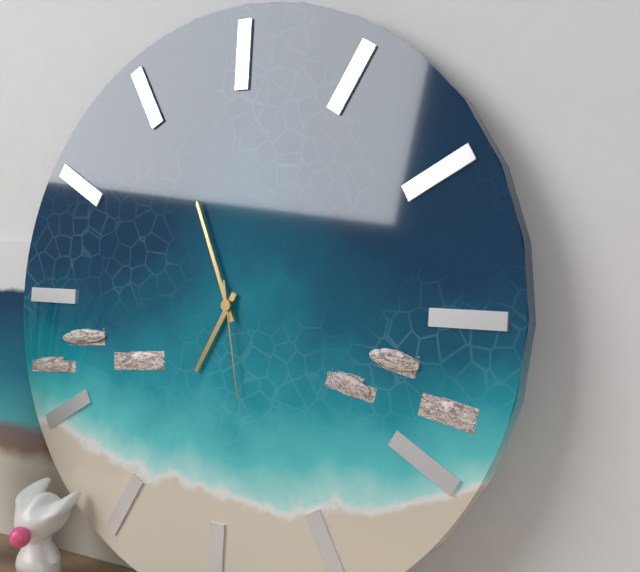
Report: **6:56:28**
